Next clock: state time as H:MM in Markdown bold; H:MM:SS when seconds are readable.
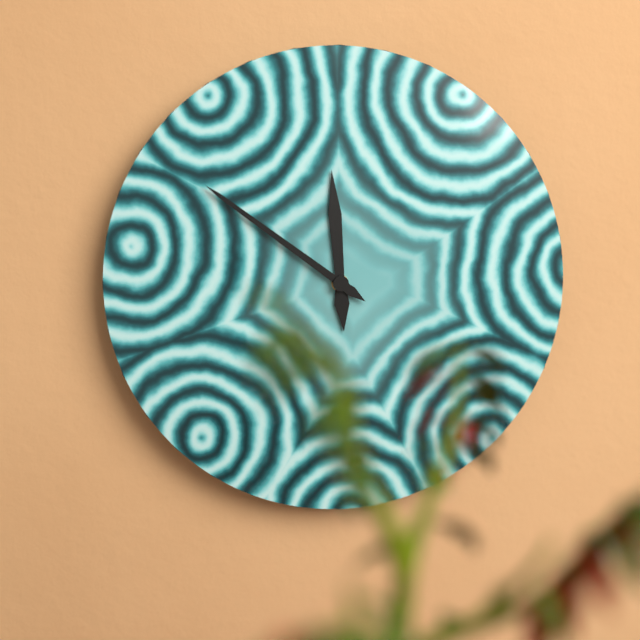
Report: **11:51**
